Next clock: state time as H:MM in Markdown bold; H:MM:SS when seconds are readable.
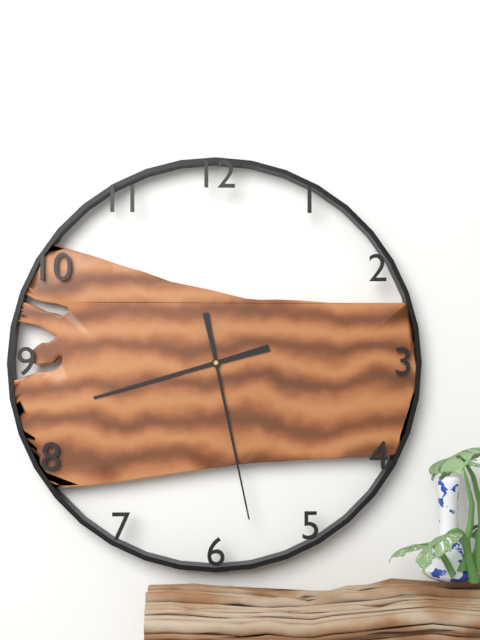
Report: **8:28**
